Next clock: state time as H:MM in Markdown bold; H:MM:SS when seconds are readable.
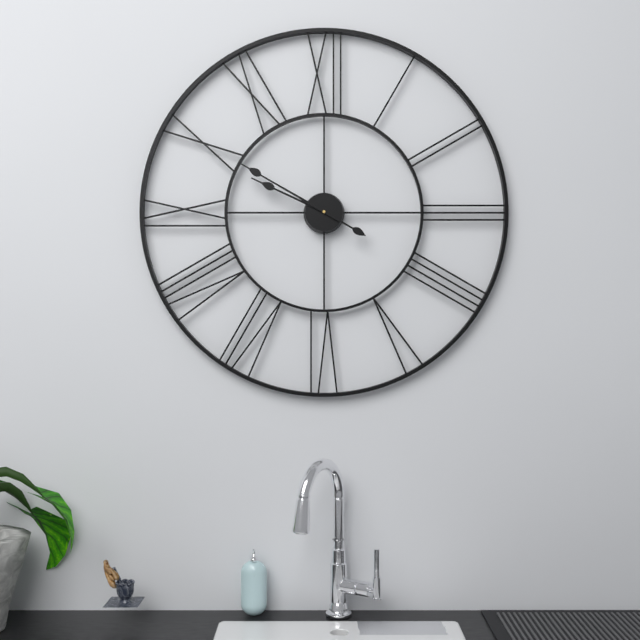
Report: **9:50**
